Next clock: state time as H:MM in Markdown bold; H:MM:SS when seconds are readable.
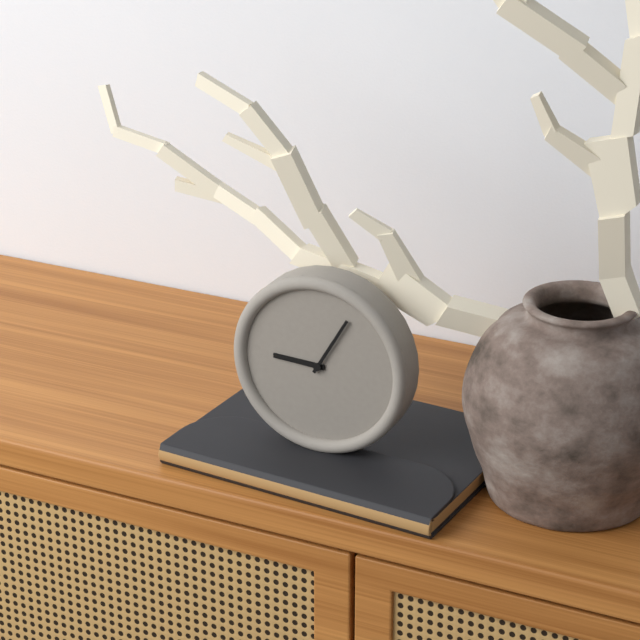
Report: **9:05**
